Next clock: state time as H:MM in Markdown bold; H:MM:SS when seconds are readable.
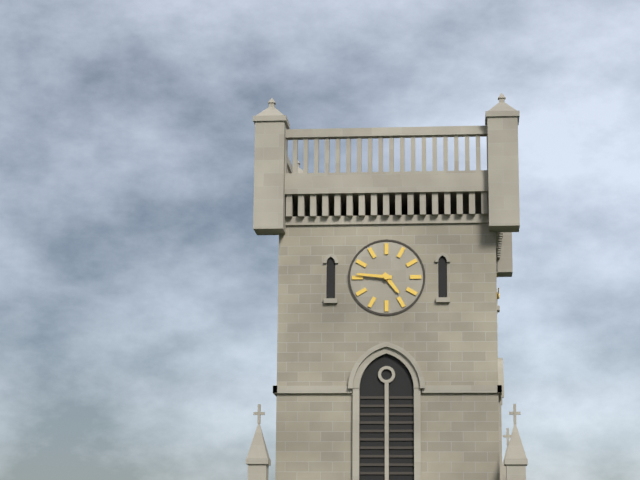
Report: **4:46**
